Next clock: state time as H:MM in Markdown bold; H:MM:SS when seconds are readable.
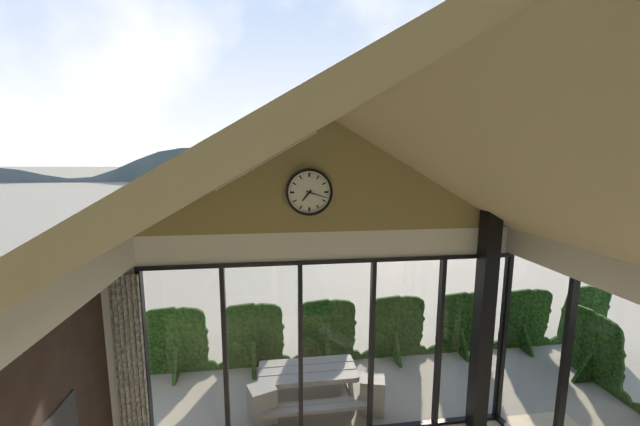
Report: **7:18**
